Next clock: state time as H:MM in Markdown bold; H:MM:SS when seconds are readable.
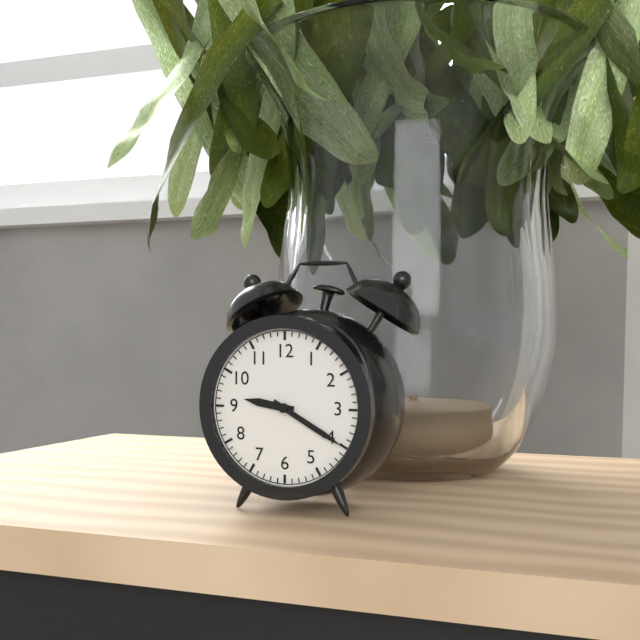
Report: **9:20**
